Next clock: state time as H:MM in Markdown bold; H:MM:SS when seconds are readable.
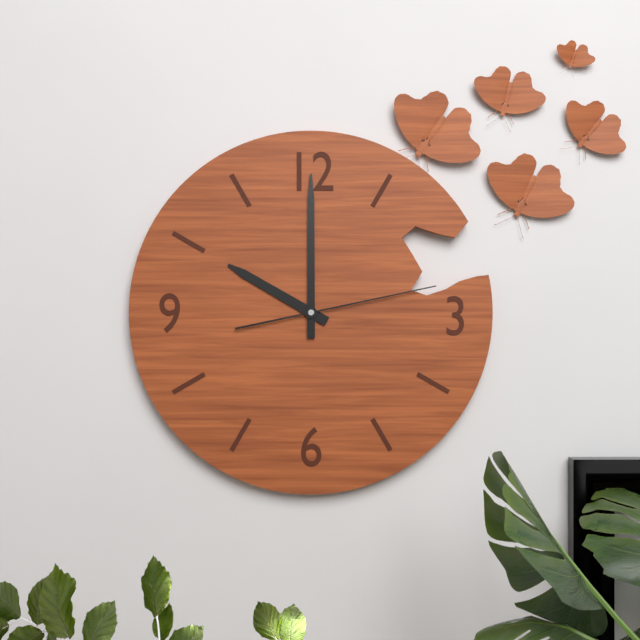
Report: **10:00:13**
